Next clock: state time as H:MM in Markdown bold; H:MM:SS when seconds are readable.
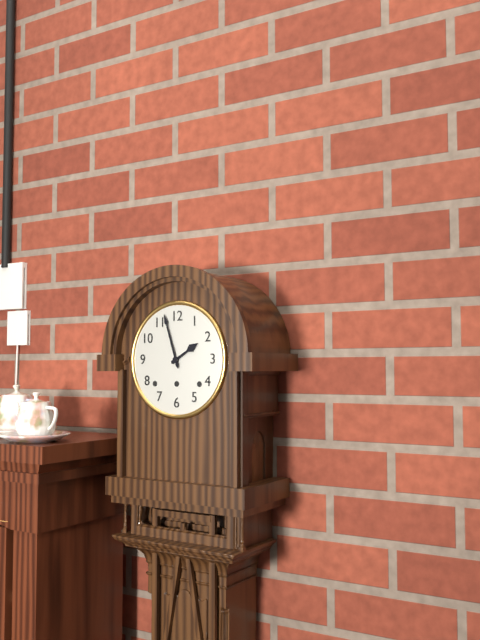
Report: **1:57**
